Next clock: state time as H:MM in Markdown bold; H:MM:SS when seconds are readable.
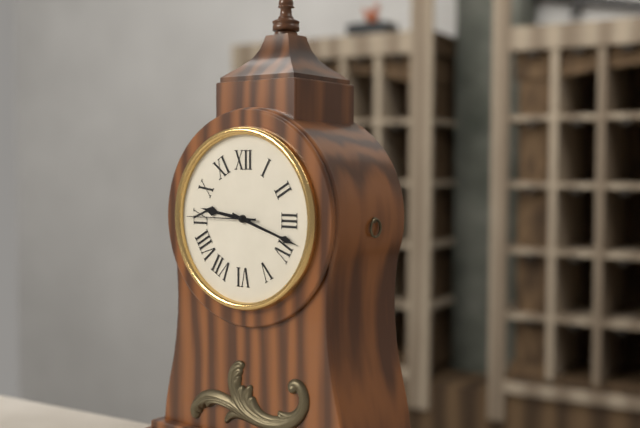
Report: **9:18:45**
